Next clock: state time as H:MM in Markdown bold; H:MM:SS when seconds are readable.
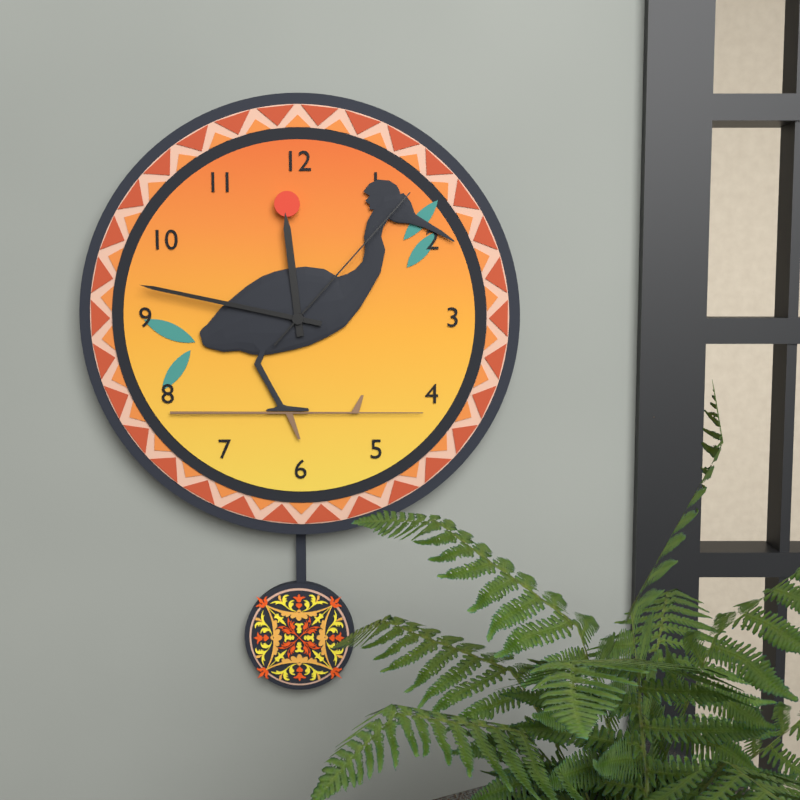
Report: **11:47:07**
